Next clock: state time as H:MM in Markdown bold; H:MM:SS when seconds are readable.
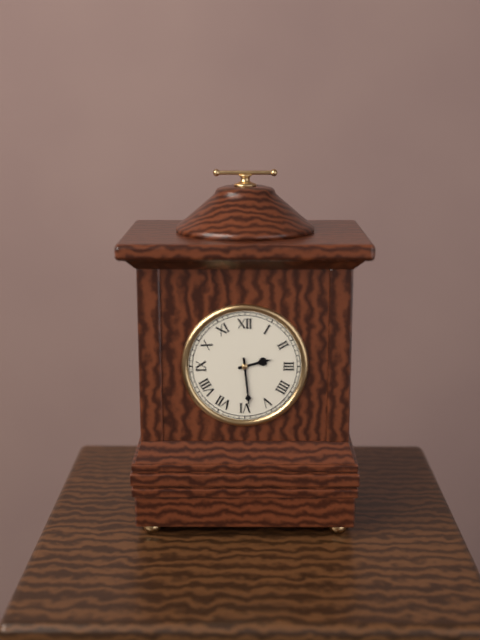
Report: **2:29**
